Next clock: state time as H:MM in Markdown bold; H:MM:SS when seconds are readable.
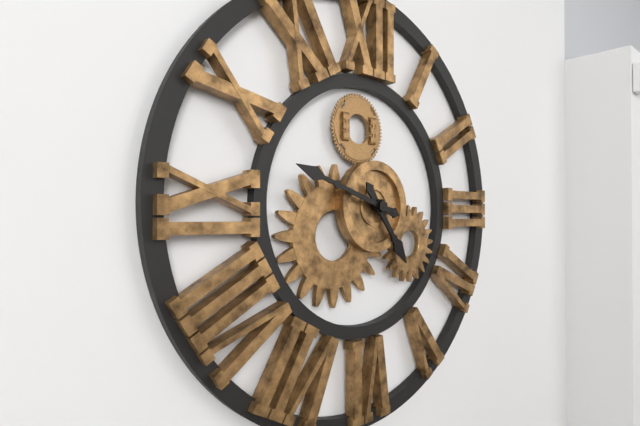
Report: **4:48**
